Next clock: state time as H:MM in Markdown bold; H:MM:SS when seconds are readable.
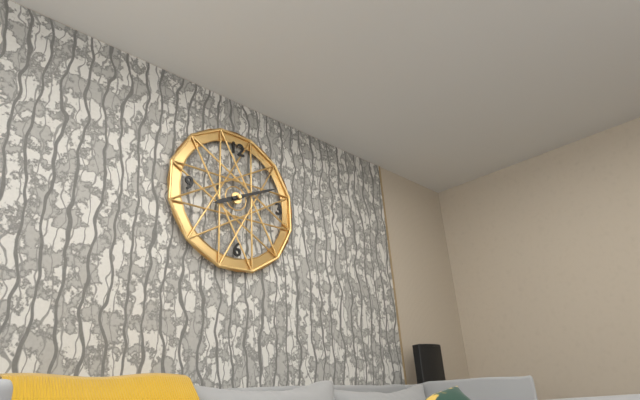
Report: **8:11**
